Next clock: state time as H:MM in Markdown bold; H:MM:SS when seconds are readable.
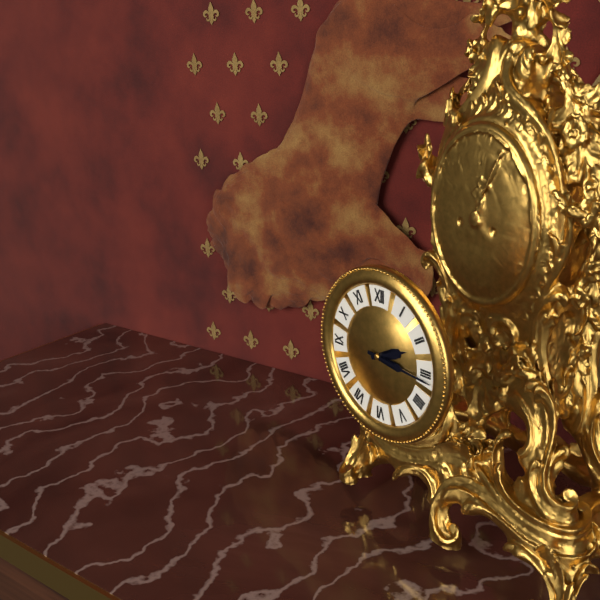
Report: **2:16**
